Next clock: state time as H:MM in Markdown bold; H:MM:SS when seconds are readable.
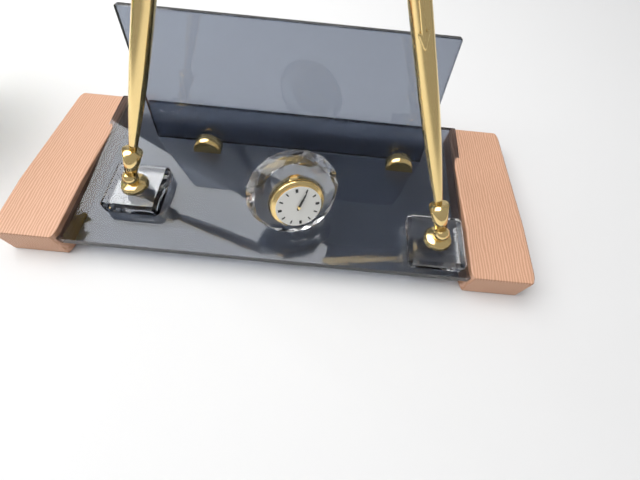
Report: **1:05**
